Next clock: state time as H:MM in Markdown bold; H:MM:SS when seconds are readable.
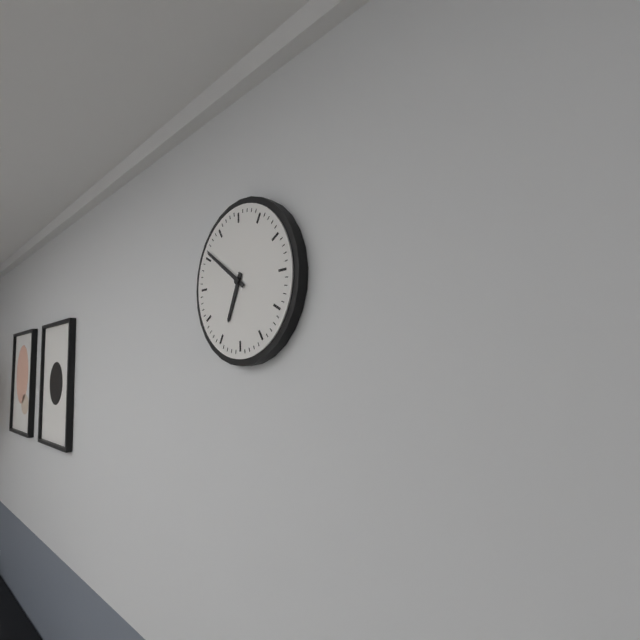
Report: **6:51**
